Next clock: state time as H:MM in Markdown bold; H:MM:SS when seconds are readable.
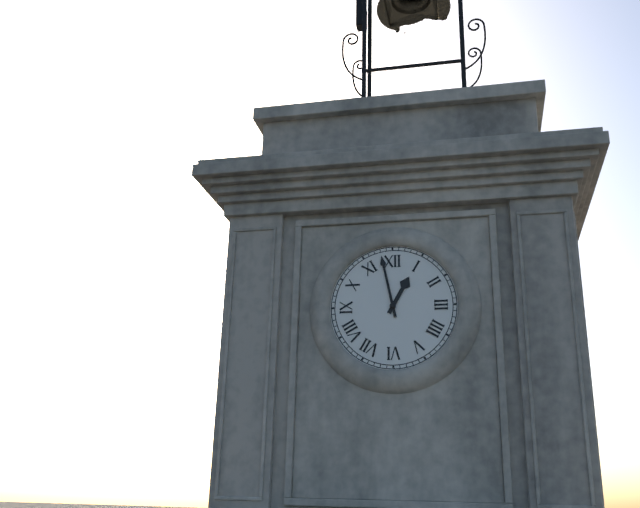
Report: **12:58**
